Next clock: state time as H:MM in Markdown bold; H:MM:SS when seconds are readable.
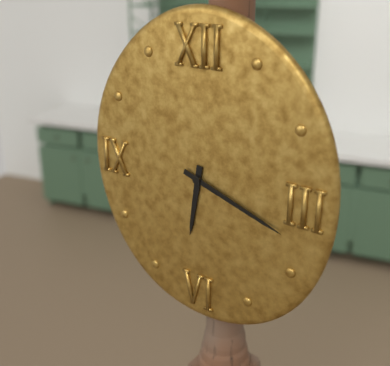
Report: **6:18**
